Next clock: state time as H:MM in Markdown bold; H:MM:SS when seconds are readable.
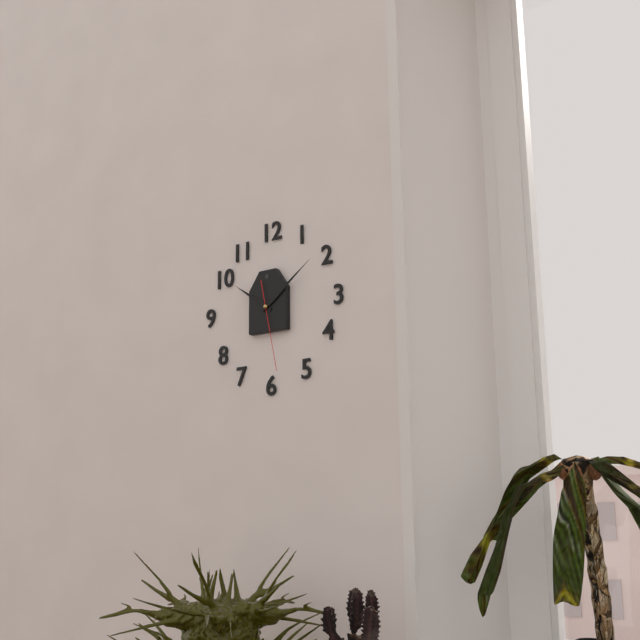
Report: **10:09:28**
